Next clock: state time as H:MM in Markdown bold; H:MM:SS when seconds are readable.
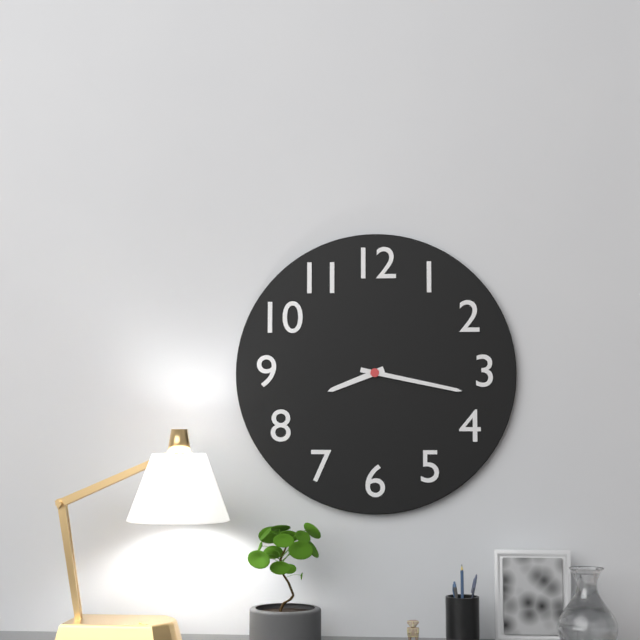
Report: **8:17**
